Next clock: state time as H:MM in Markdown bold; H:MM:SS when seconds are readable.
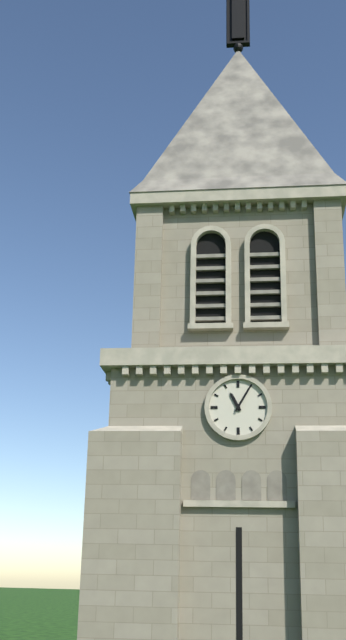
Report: **11:05**
